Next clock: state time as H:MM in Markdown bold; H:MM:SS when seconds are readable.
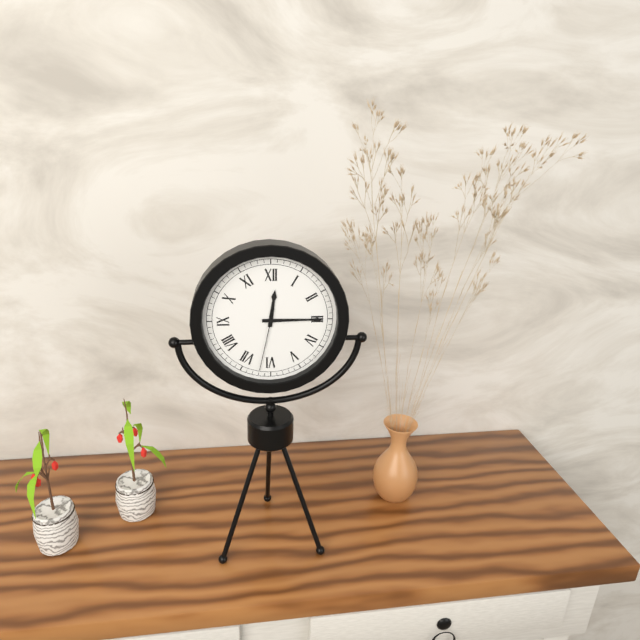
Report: **12:15:32**
